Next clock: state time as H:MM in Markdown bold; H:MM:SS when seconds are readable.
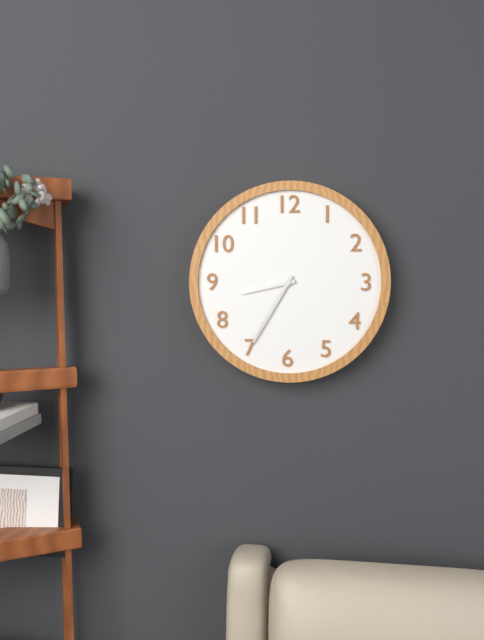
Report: **8:35**
